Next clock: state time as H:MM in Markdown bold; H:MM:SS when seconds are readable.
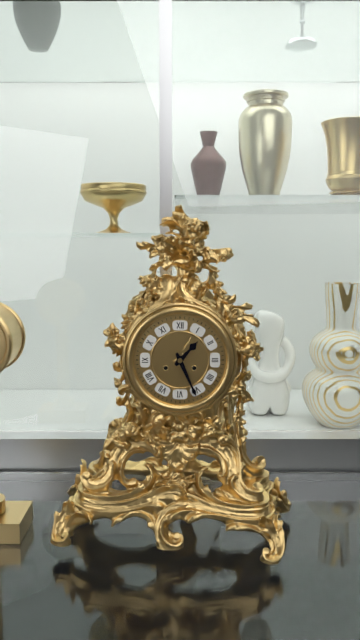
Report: **1:26**
